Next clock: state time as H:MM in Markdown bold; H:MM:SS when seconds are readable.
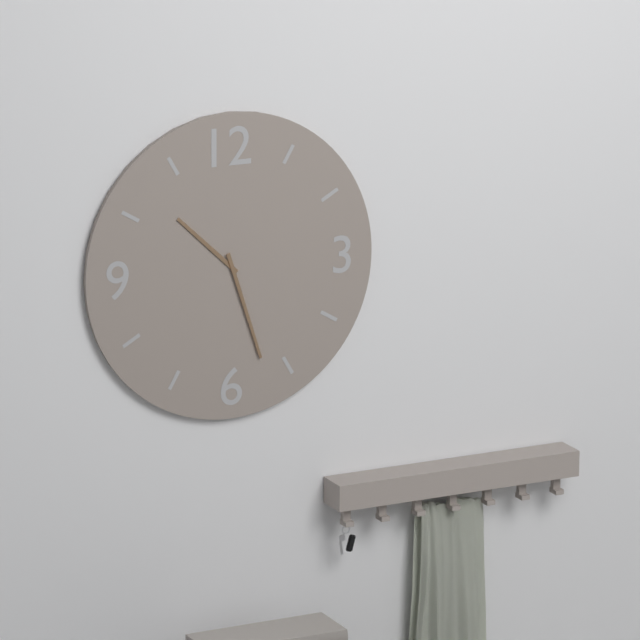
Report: **10:27**
